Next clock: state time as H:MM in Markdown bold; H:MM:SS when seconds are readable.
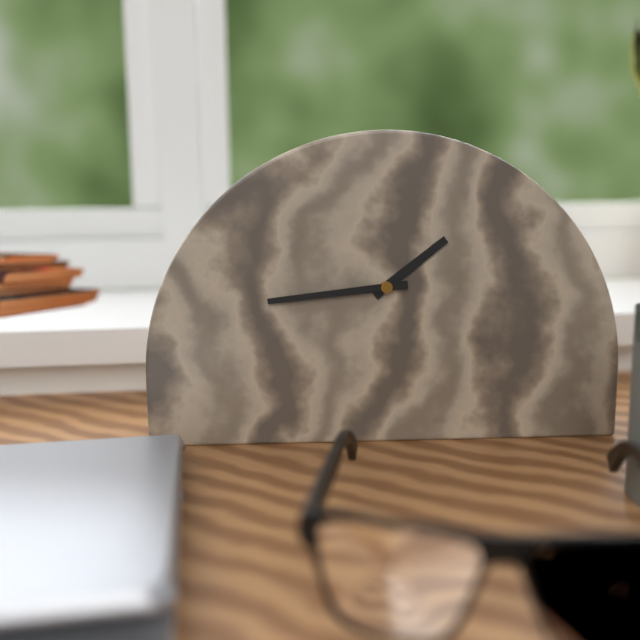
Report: **1:44**
